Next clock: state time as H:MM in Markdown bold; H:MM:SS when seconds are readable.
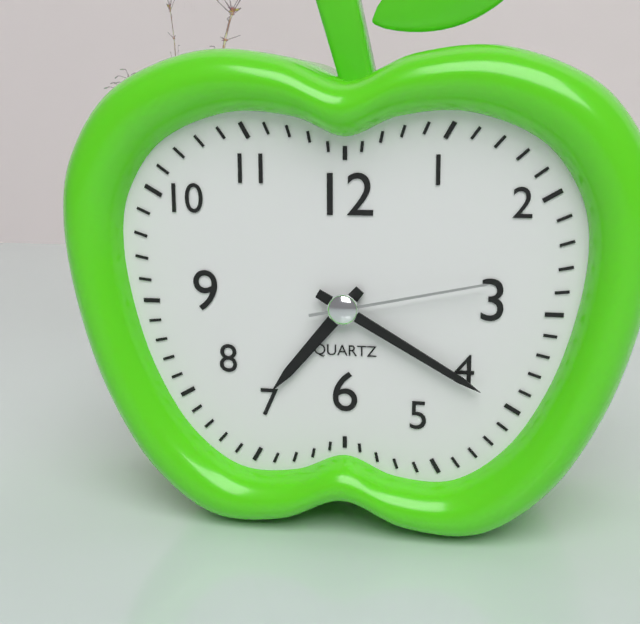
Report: **7:20:13**
